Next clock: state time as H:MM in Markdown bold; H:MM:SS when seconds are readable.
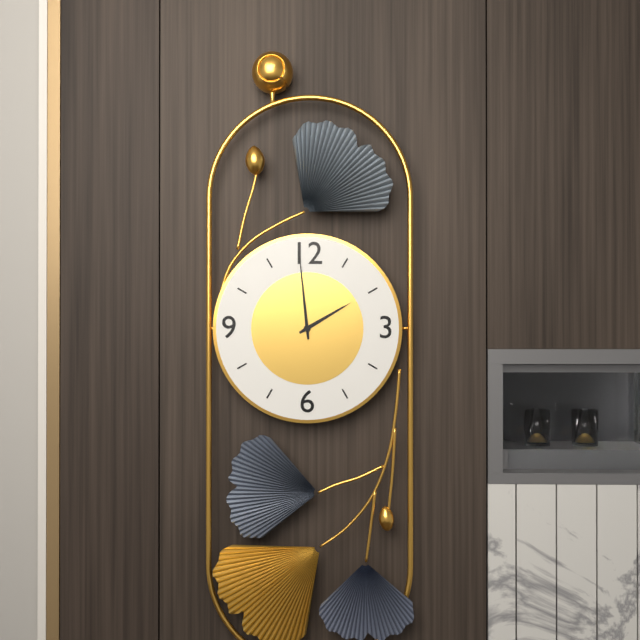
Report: **1:59**
